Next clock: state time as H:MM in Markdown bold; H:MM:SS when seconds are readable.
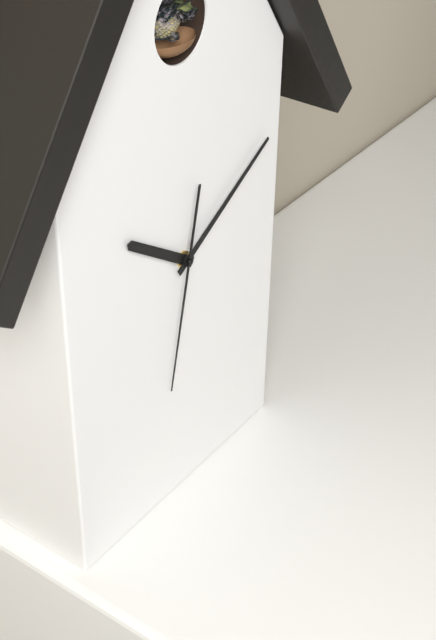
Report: **10:10:32**
